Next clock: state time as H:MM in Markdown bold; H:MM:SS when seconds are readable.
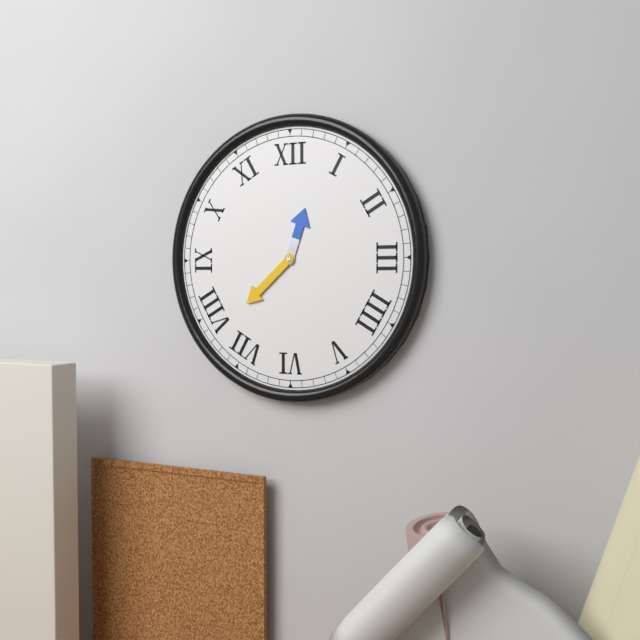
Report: **12:38**
